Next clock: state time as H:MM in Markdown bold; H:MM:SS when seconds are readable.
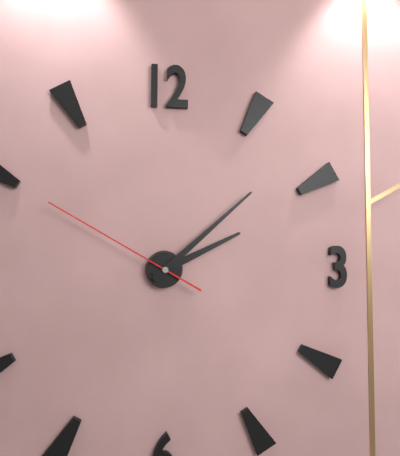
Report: **2:08:50**
